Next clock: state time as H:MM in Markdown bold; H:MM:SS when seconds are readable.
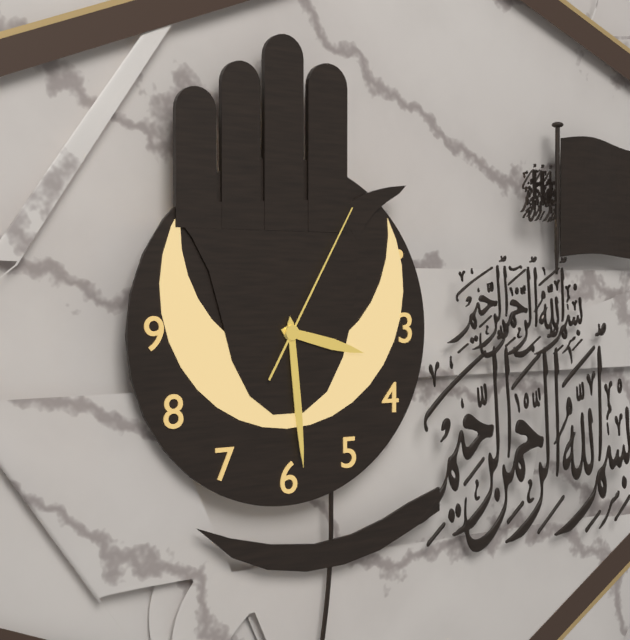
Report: **3:29:05**
